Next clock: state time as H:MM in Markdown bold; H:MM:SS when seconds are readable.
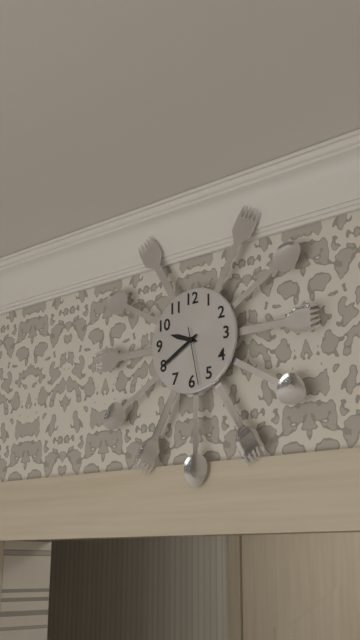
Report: **9:40:28**
